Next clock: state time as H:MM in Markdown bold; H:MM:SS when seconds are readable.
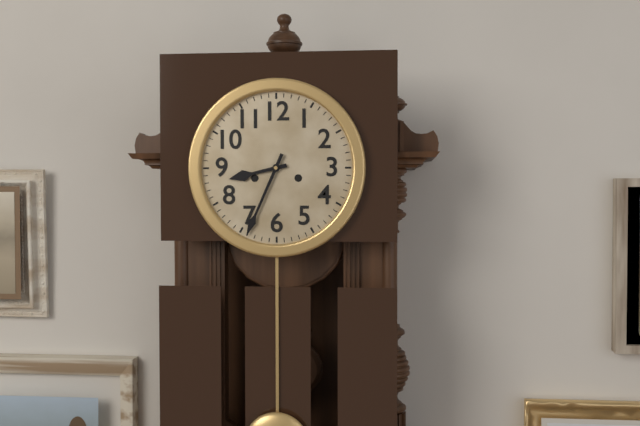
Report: **8:34**
